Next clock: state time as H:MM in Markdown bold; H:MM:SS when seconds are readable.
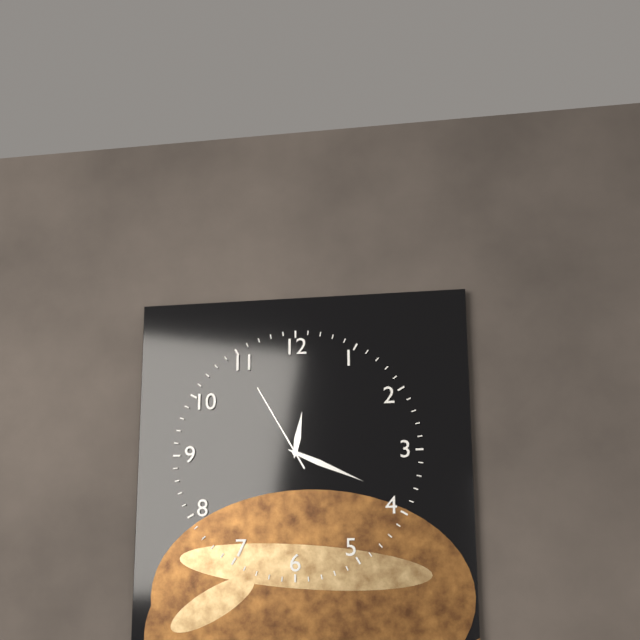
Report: **12:19:55**
